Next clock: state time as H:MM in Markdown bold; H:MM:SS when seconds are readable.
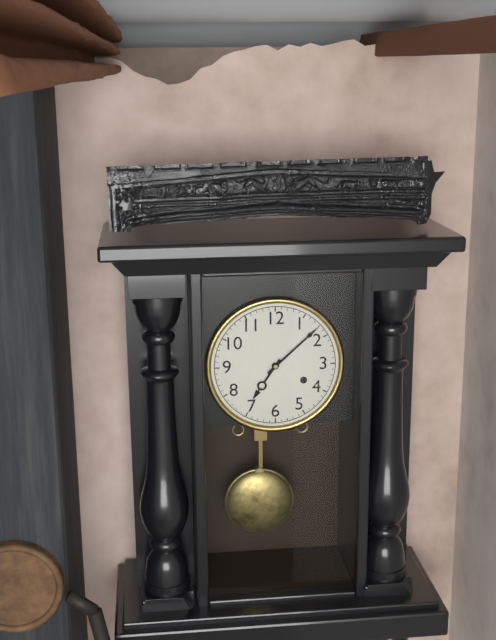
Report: **7:08**
